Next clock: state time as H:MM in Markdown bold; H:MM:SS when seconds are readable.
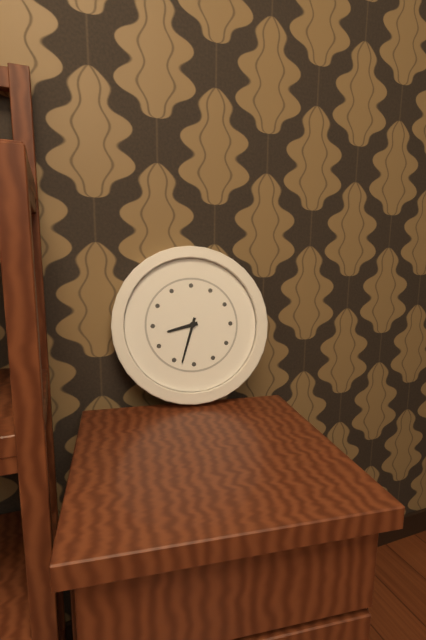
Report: **8:33**
